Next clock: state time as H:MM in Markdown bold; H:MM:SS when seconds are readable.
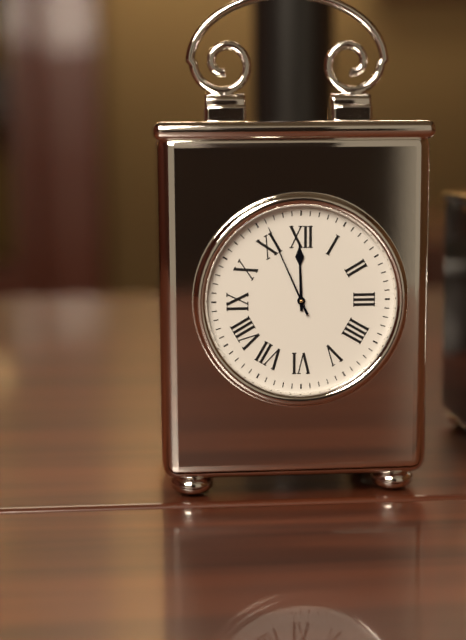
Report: **11:56**
